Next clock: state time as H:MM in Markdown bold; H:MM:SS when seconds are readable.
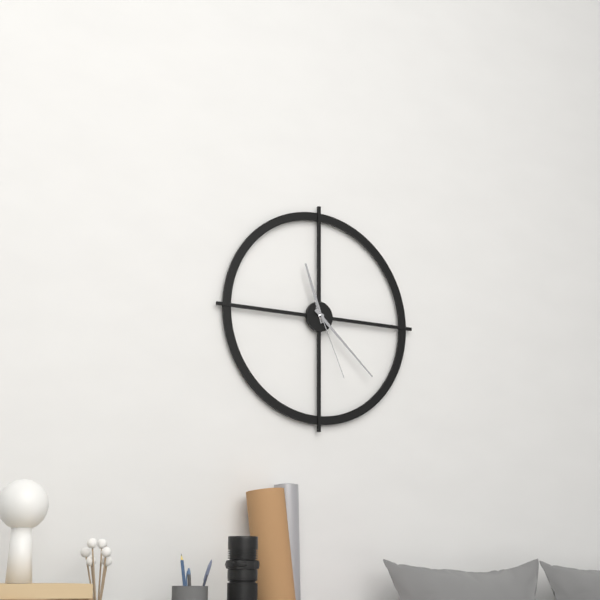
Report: **11:22:26**
